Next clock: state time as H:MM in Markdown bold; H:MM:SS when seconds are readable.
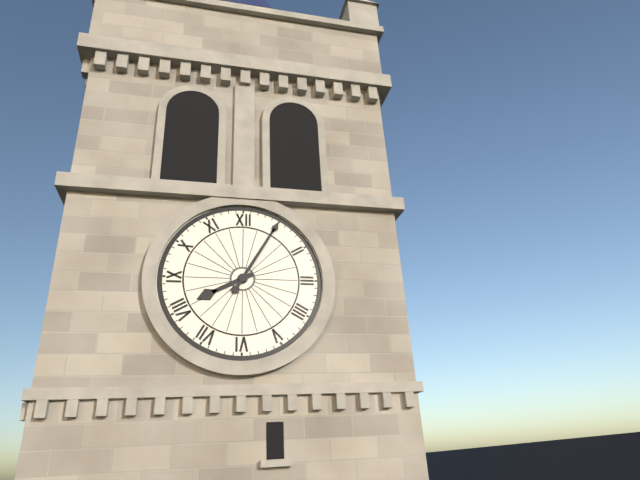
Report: **8:05**
